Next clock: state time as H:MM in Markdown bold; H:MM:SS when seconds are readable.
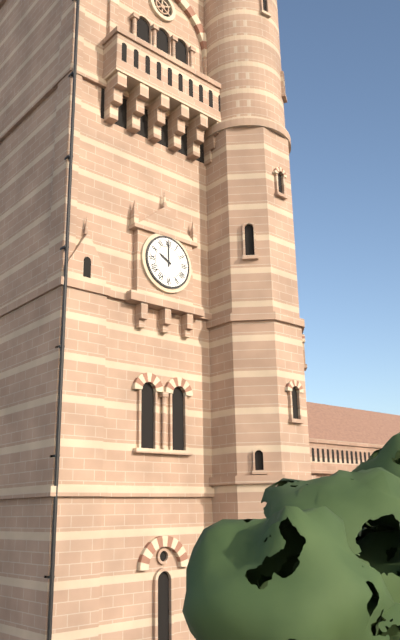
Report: **10:00**
